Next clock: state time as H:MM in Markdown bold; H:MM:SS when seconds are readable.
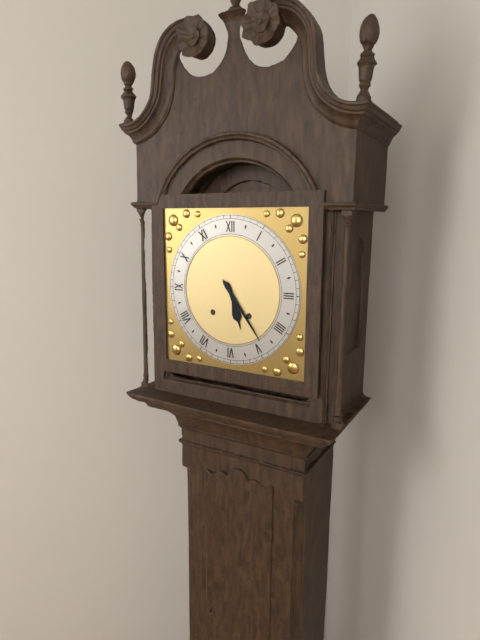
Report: **5:24**
